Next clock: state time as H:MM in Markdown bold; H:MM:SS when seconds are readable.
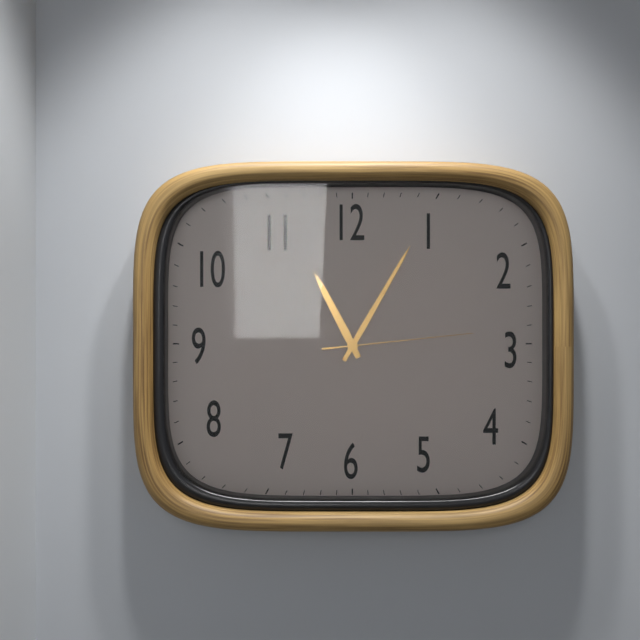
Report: **11:05:14**
